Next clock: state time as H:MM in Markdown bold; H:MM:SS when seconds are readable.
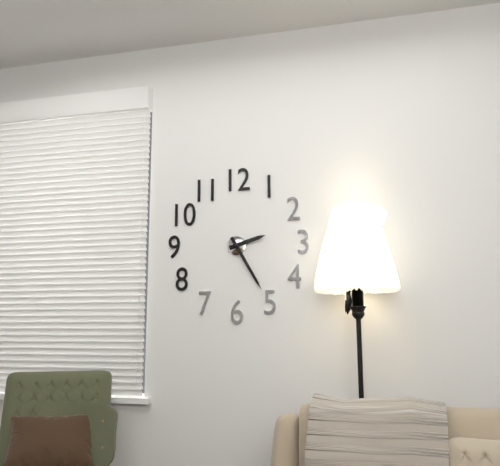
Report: **2:25**
